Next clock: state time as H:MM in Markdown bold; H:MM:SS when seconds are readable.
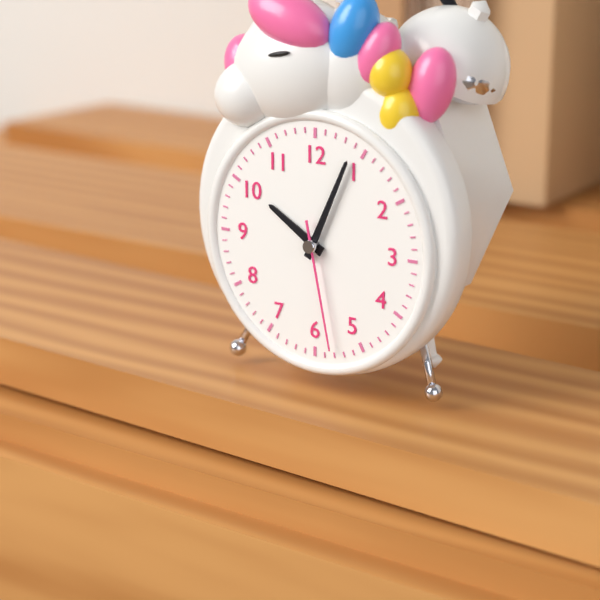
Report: **10:04:28**
